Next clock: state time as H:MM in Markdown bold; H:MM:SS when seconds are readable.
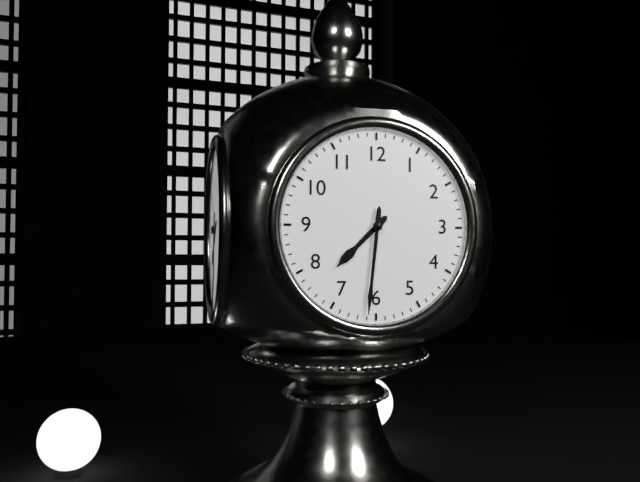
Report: **7:31**
